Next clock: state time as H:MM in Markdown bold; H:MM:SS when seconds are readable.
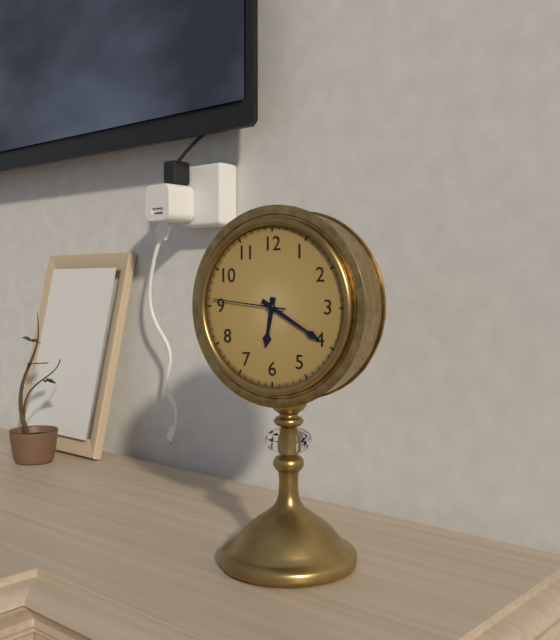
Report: **6:20:46**
